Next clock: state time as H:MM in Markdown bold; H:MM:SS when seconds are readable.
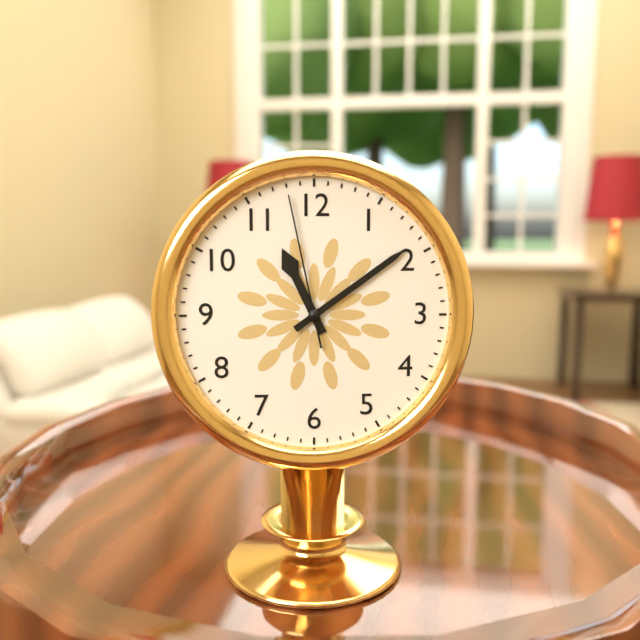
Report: **11:09:58**
